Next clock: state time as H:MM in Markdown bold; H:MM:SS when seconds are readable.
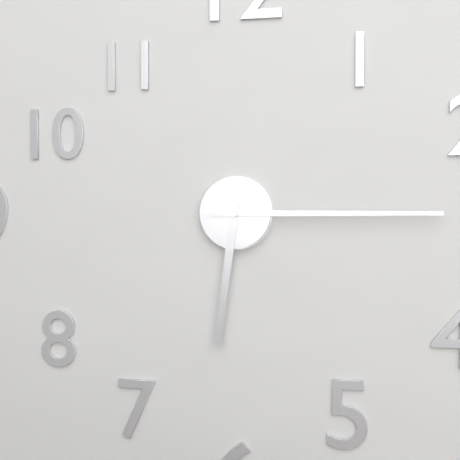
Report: **6:15**
